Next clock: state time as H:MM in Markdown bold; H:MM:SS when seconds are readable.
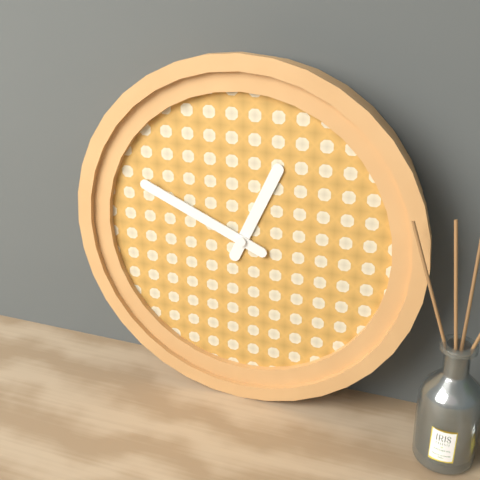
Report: **12:49**
